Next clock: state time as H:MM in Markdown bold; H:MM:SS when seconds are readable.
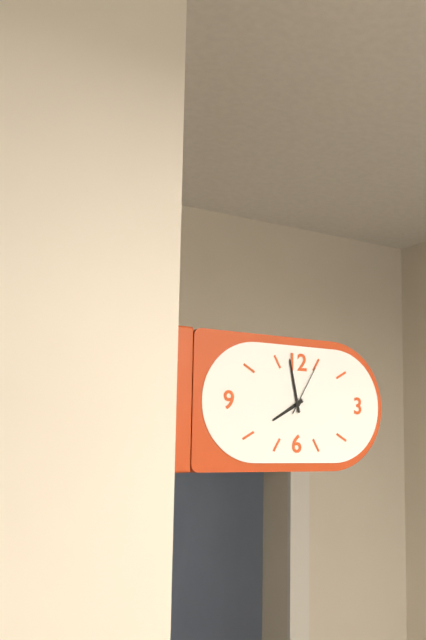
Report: **7:58:05**
